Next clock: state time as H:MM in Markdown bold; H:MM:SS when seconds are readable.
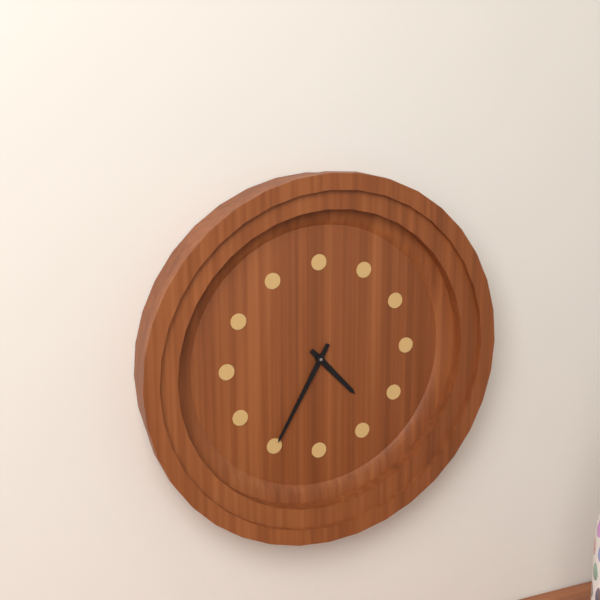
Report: **4:35**
